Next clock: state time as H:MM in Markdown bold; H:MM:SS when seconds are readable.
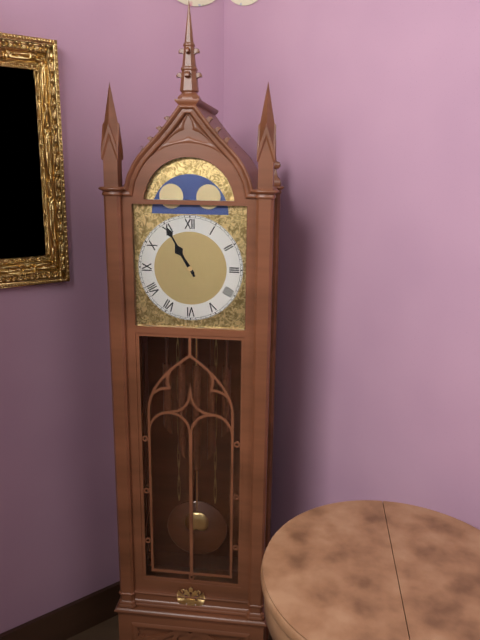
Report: **10:55**
